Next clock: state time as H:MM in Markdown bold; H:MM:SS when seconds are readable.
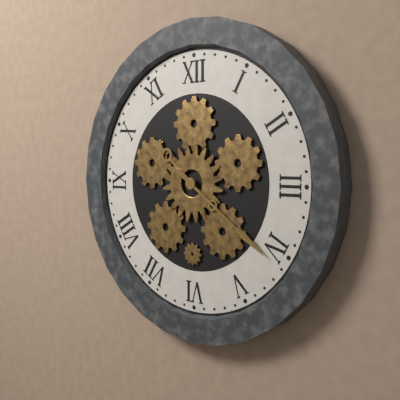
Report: **10:21**
